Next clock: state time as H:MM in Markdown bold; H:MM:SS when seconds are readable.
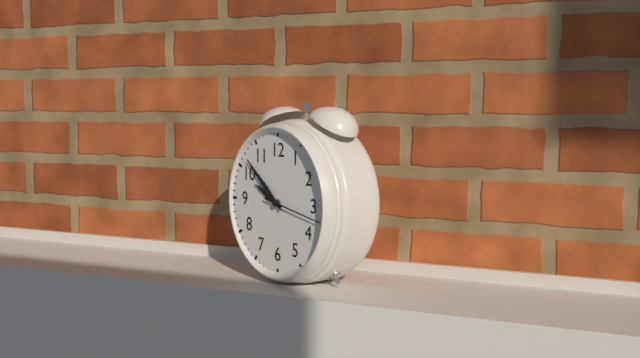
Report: **9:52:17**
